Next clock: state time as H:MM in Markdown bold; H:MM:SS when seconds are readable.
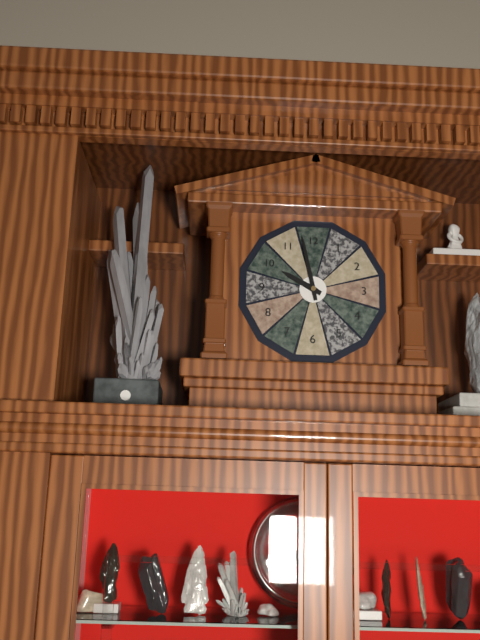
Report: **9:58**
